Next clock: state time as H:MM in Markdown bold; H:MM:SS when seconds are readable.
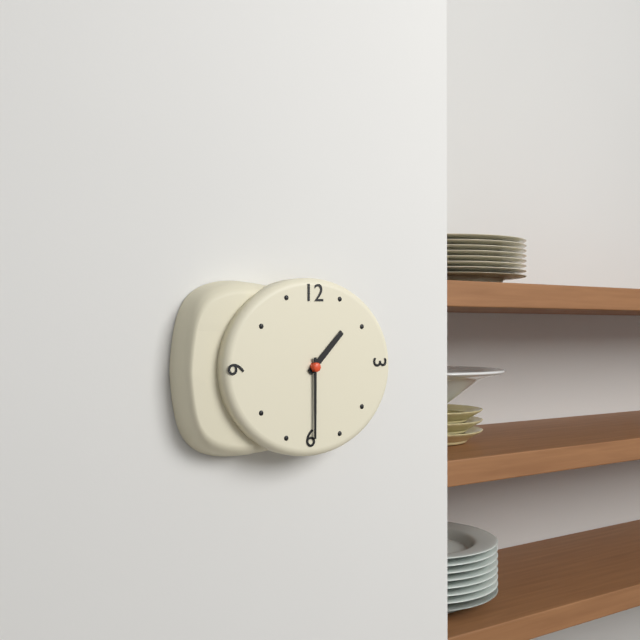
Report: **1:30**
